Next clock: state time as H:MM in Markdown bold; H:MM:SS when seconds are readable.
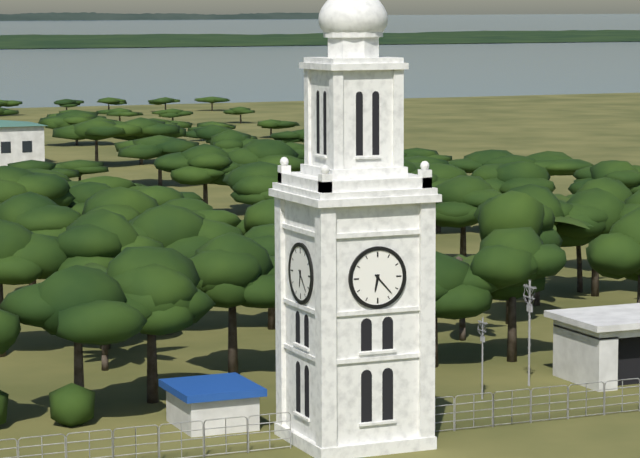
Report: **6:23**
